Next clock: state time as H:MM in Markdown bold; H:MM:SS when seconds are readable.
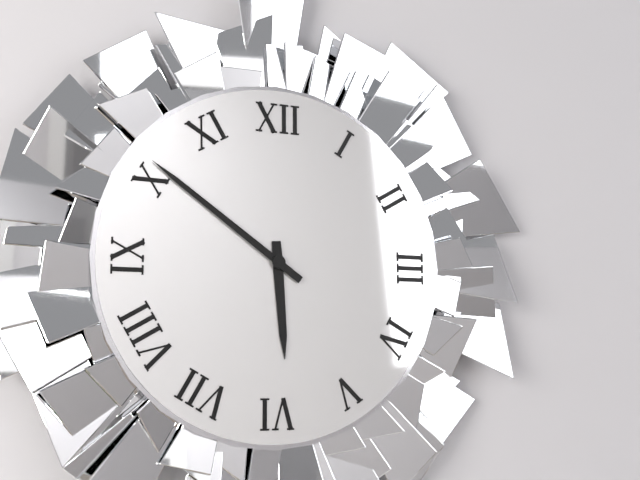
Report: **5:51**
